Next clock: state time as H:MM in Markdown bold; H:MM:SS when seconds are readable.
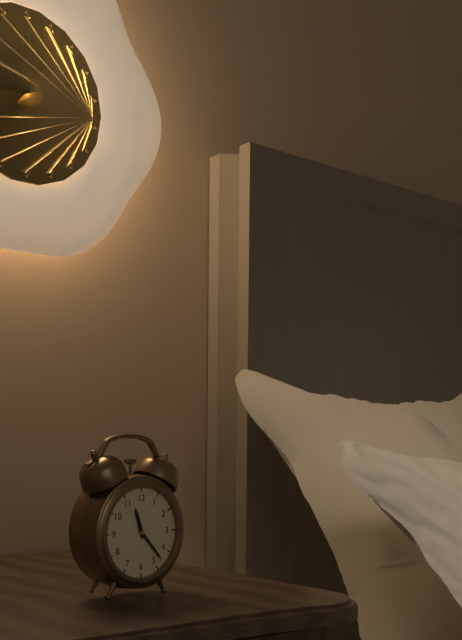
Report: **11:23**
